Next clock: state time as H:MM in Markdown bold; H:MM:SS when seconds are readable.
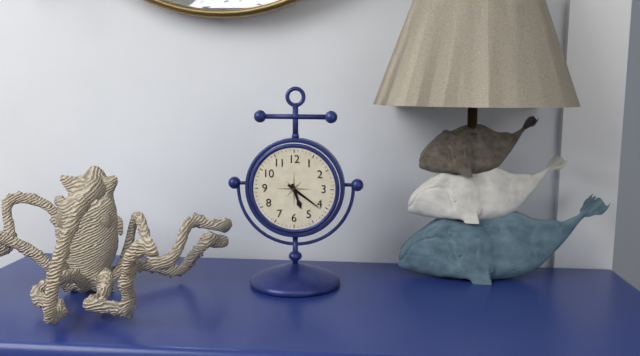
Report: **5:21**
